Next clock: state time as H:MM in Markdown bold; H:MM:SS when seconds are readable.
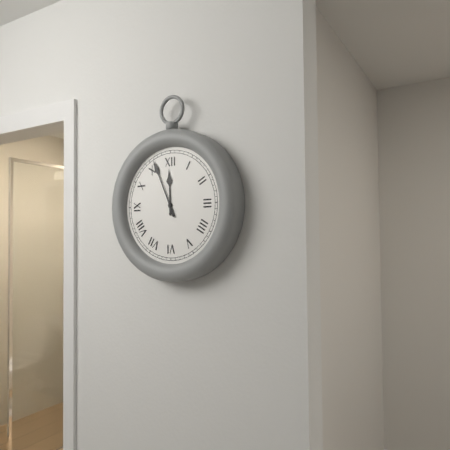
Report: **11:56**
